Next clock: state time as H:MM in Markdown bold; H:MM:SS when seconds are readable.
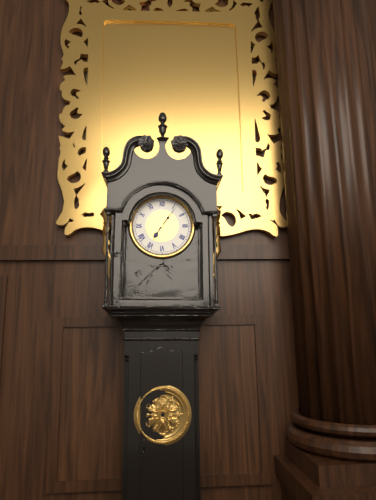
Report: **7:06**
